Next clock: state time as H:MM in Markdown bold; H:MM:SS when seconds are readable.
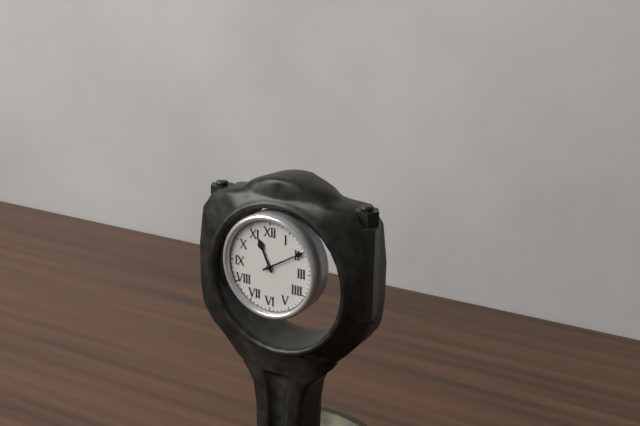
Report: **11:10**
